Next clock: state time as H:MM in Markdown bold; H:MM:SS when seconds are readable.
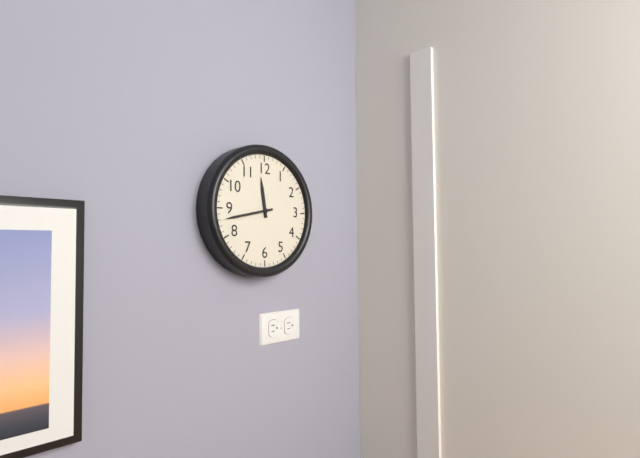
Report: **11:43**
